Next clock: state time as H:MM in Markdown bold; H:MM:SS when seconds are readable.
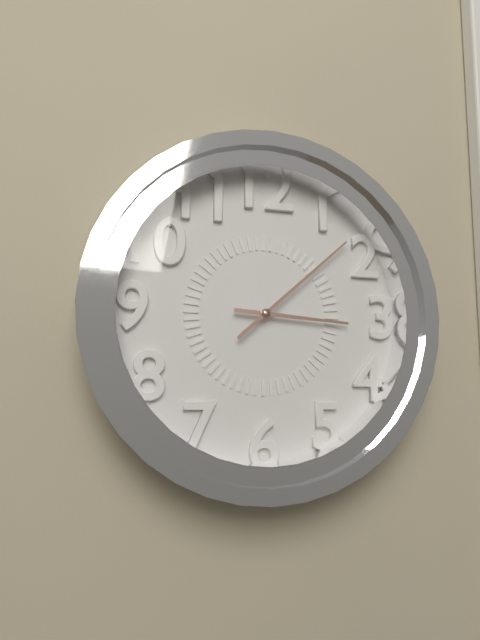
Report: **3:08**
